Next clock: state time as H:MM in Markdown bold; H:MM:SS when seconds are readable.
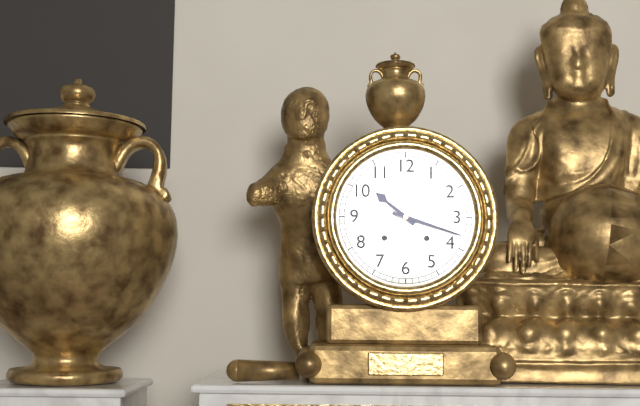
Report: **10:18**
